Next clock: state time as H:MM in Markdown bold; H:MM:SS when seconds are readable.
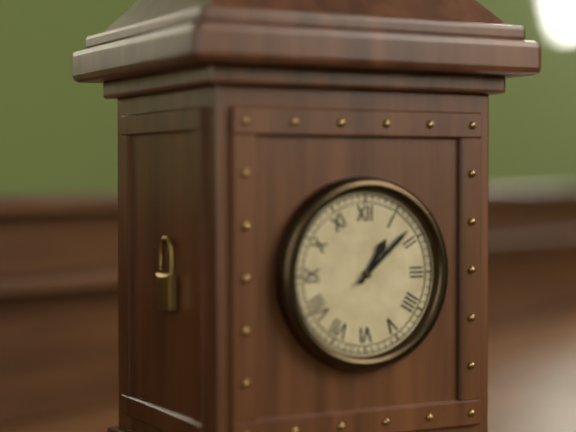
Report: **1:08**
